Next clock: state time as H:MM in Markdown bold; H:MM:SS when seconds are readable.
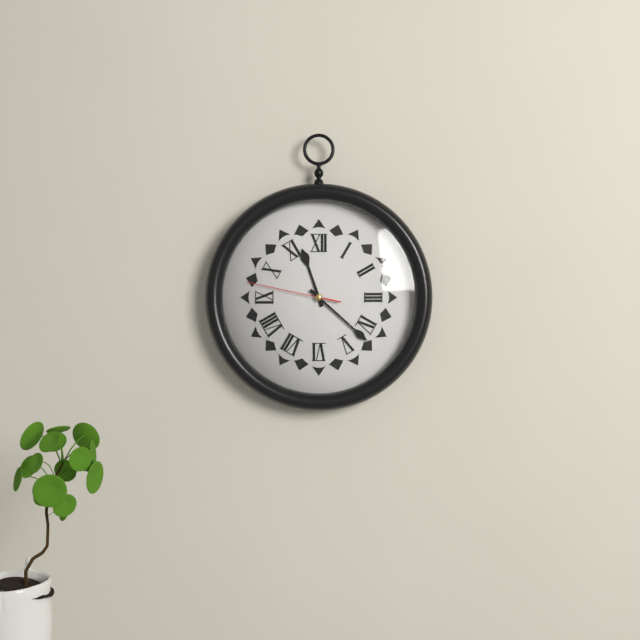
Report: **11:22:47**
